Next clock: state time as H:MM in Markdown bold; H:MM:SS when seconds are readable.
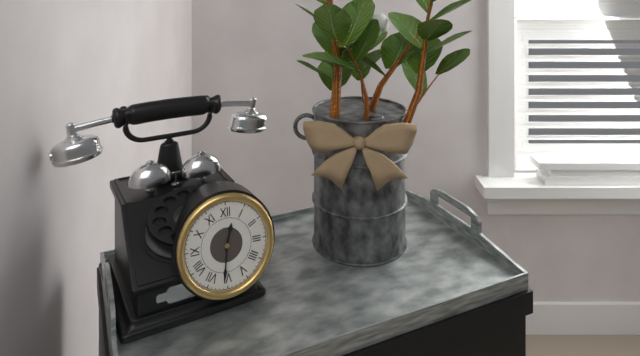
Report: **12:31**
